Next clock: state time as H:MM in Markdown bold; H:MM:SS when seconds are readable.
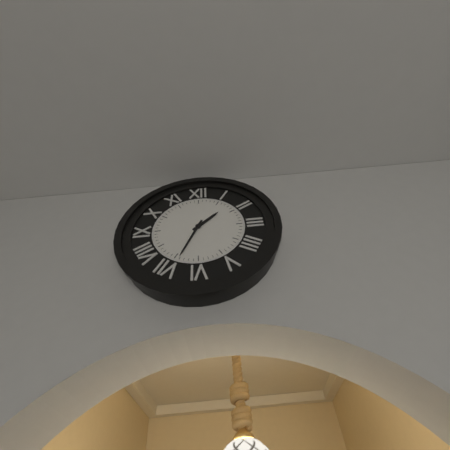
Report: **1:34**
